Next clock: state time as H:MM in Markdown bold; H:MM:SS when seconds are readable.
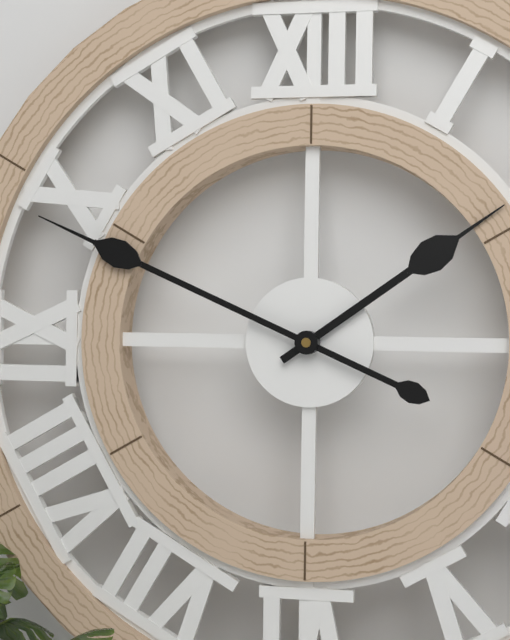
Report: **1:49**
